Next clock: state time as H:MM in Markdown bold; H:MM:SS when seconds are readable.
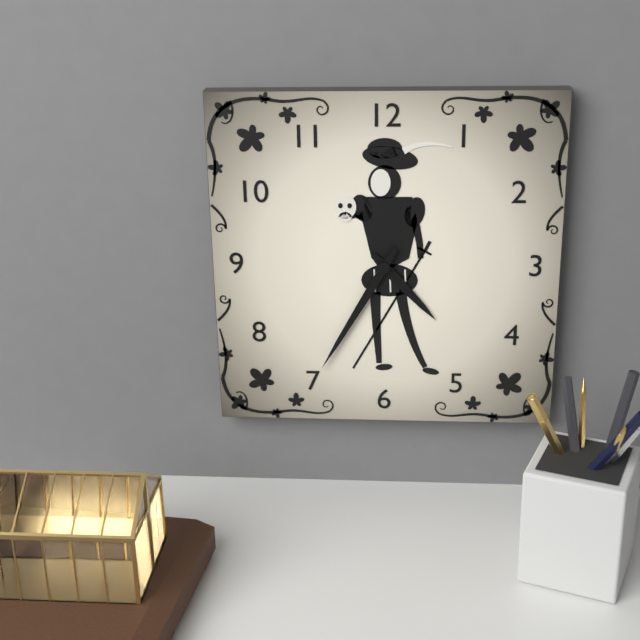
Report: **4:35**
